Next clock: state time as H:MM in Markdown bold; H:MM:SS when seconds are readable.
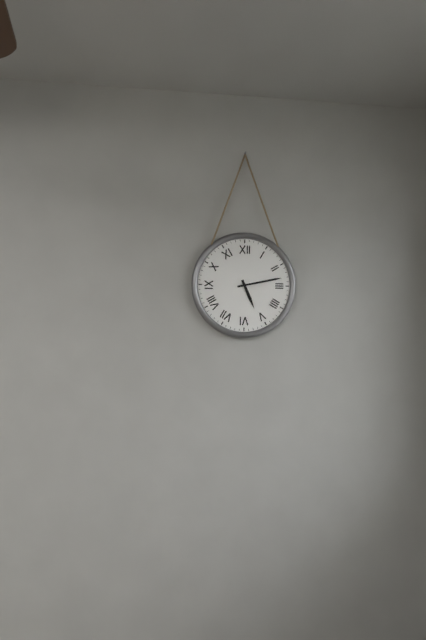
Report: **5:13**
